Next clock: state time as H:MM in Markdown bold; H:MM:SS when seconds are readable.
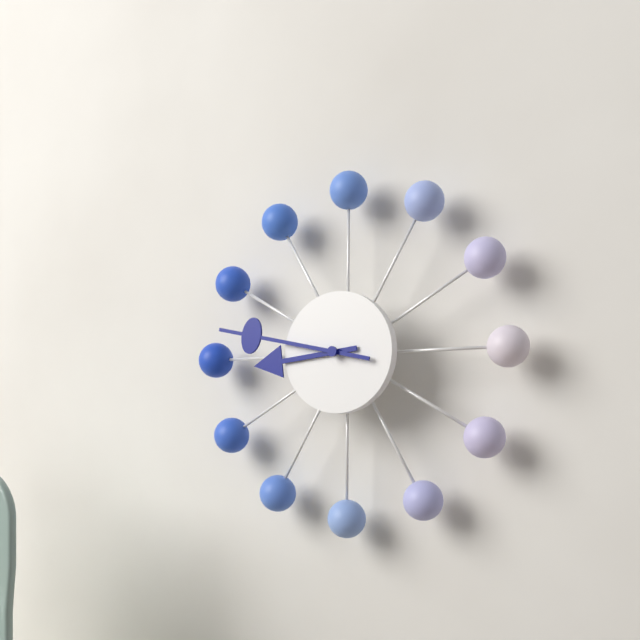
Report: **8:47**
